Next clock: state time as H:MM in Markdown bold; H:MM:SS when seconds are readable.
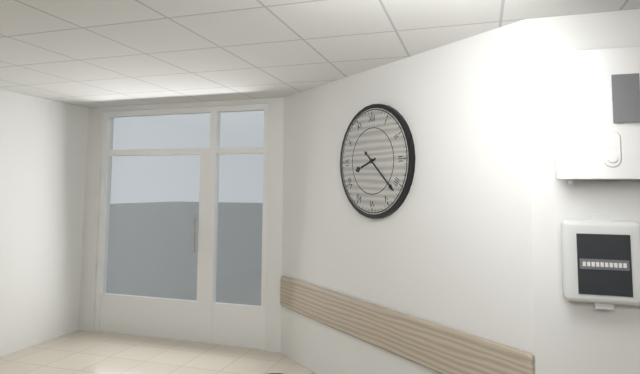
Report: **8:22**
